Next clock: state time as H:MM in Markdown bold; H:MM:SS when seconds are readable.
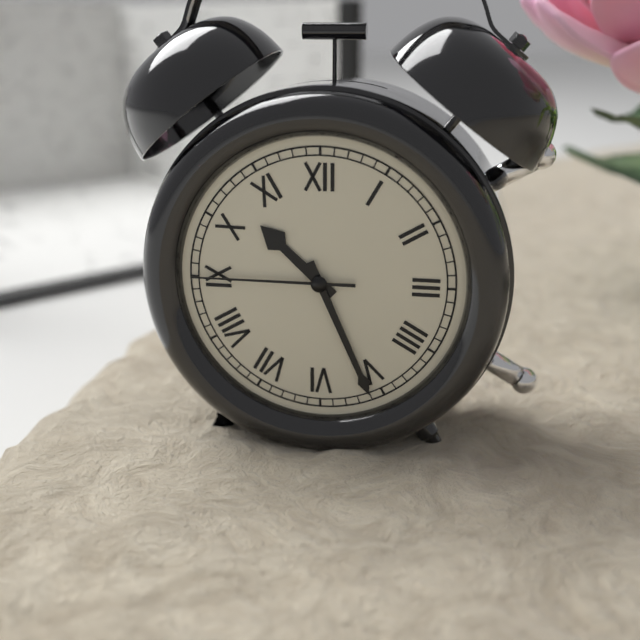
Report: **10:26:45**
